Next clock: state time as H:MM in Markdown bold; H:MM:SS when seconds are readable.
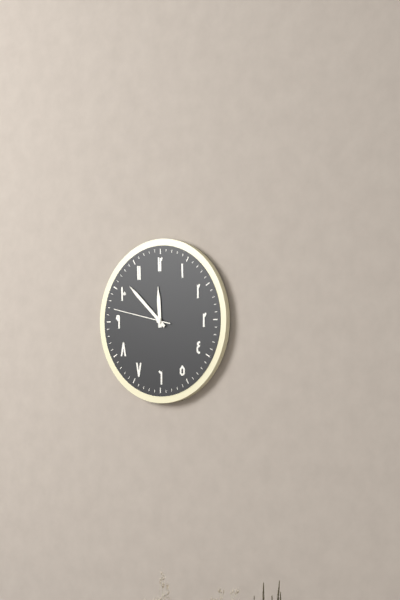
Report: **11:52:47**
